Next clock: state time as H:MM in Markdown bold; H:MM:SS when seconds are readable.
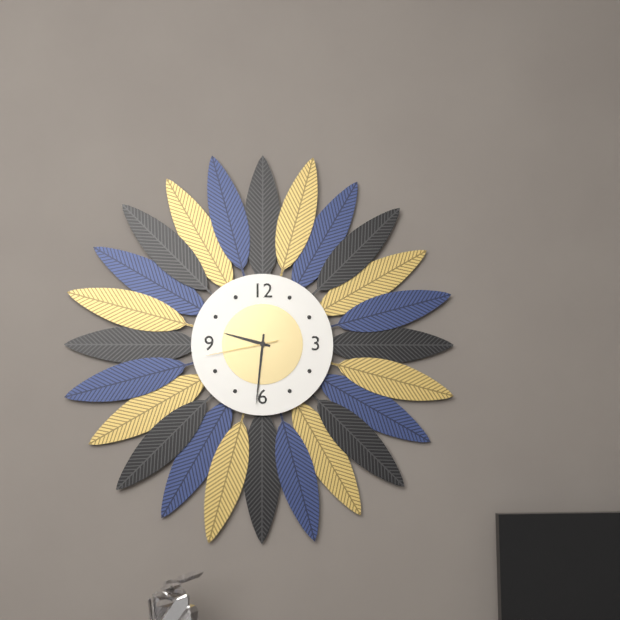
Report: **9:31:43**
